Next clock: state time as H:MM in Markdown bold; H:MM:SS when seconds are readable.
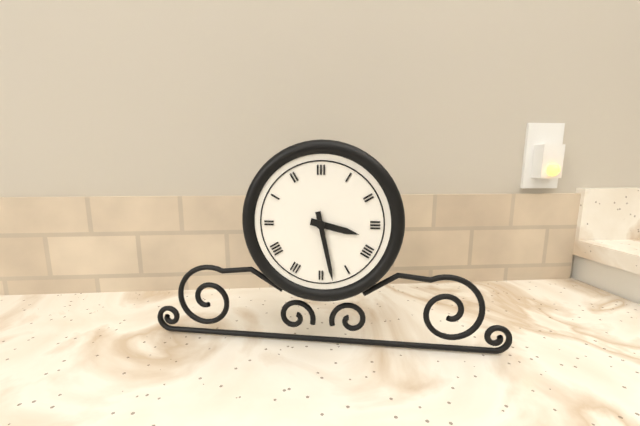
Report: **3:28**
